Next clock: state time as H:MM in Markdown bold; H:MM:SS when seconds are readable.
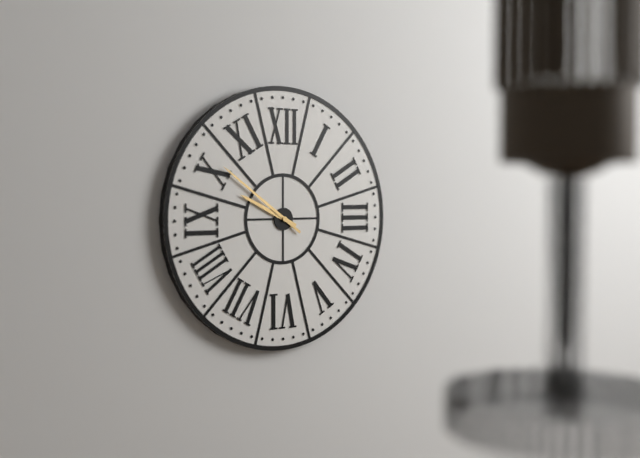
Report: **9:51**
